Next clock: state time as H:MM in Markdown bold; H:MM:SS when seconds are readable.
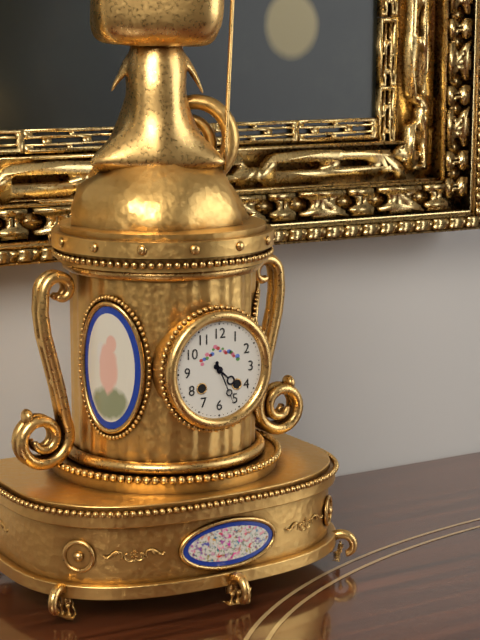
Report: **4:26**
